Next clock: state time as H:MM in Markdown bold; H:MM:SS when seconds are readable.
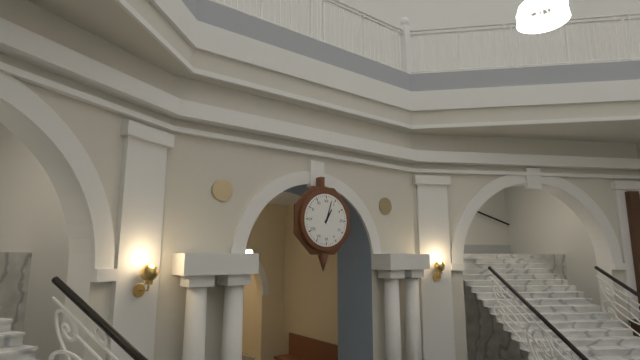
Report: **1:03**
